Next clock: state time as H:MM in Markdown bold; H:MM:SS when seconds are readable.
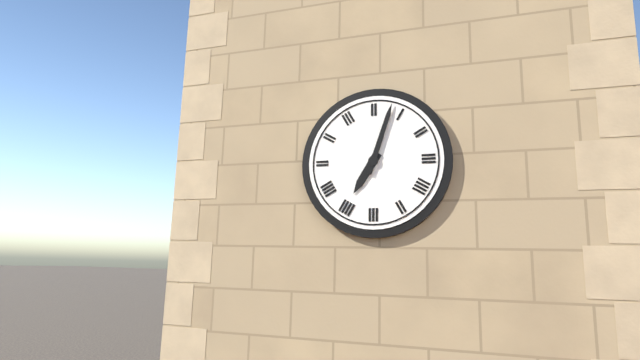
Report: **7:03**
